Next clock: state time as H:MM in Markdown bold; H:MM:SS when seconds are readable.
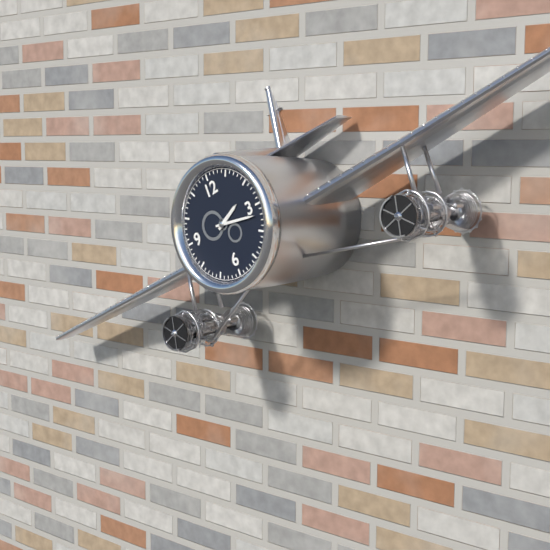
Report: **2:17**
